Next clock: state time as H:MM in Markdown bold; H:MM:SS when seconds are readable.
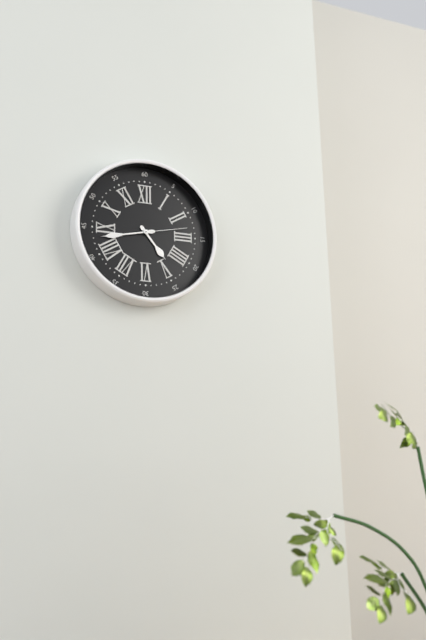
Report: **4:43:13**
